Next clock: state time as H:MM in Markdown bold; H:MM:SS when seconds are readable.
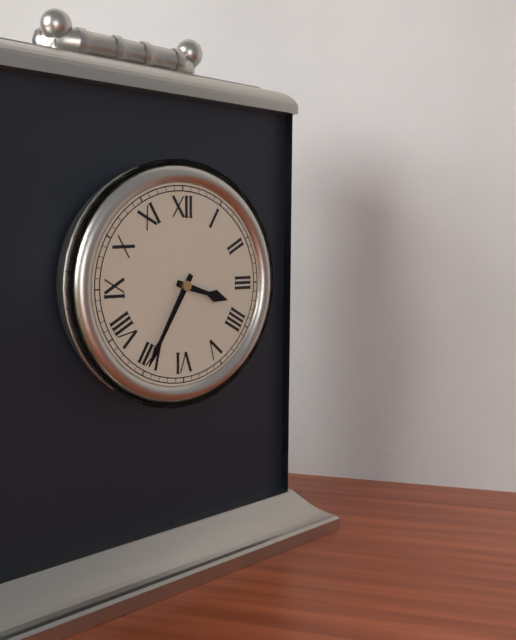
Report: **3:35**
